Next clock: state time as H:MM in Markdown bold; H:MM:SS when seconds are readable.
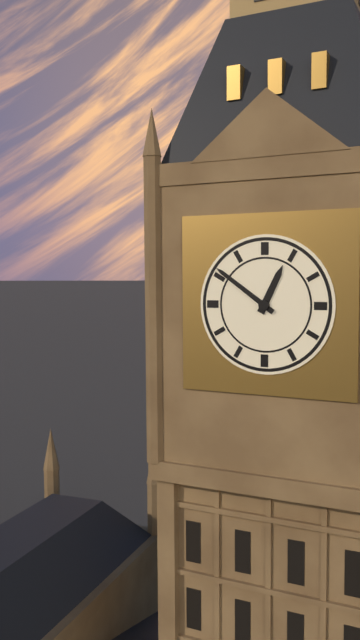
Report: **12:51**
